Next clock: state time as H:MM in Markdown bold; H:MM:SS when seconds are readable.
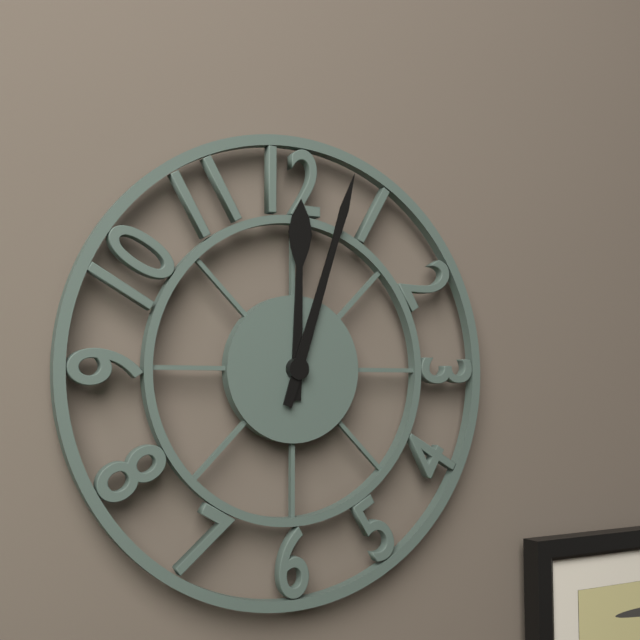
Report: **12:03**
